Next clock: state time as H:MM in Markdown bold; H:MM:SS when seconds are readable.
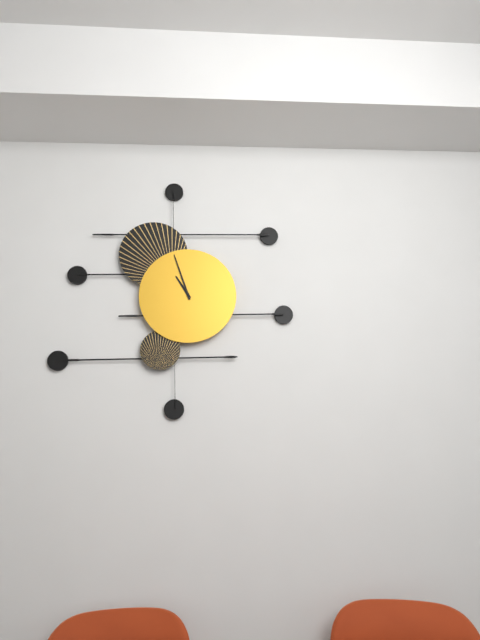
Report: **10:57**
